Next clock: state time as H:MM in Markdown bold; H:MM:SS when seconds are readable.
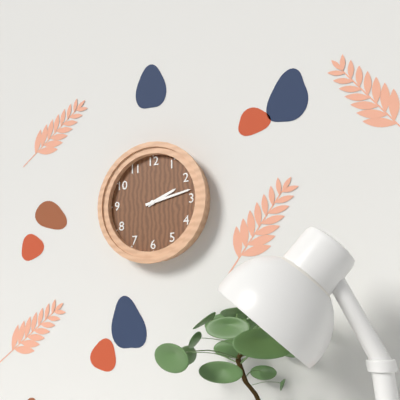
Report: **2:13**
